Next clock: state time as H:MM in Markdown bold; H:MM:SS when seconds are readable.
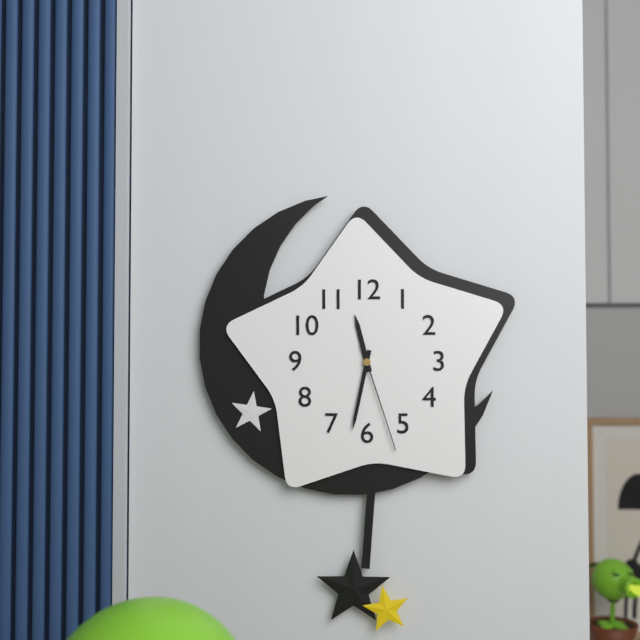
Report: **11:32:27**
